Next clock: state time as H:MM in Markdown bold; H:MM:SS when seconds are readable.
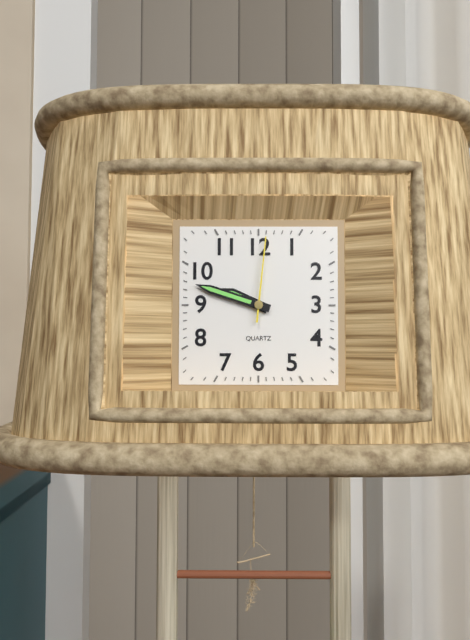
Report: **9:48:01**
